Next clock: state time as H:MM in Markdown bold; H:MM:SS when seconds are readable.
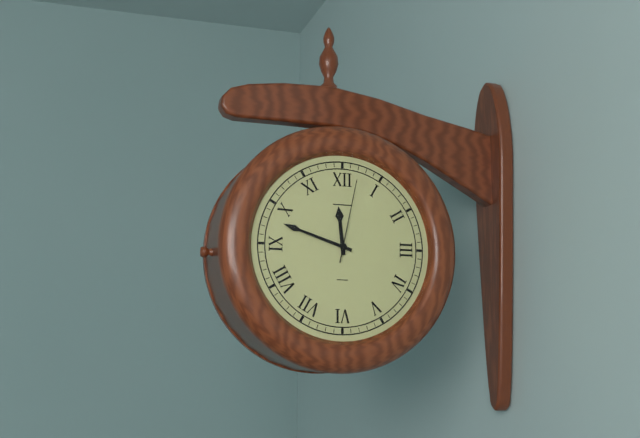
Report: **11:48:02**
